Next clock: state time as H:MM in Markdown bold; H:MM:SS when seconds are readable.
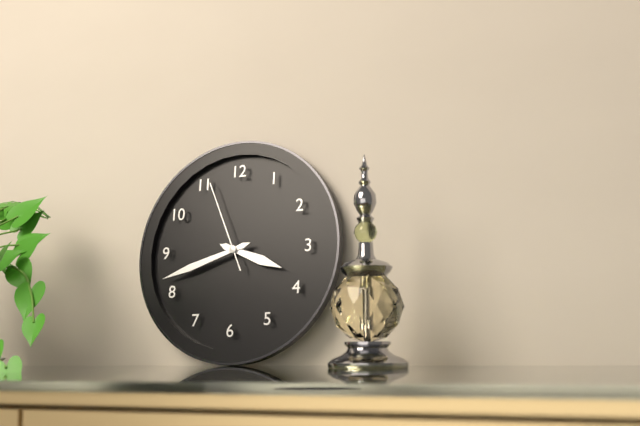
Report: **3:42:56**
